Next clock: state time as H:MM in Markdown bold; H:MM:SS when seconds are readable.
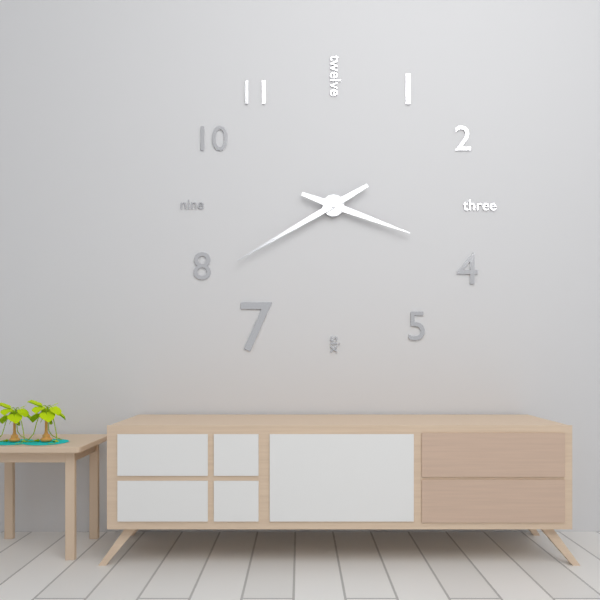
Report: **3:40**
